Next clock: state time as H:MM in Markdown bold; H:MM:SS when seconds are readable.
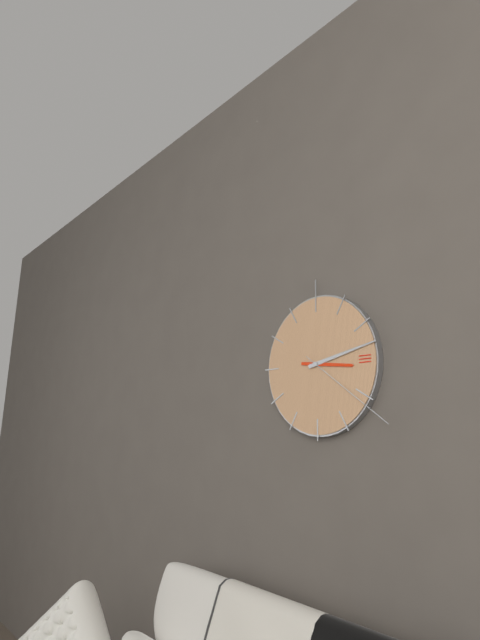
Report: **3:13:21**
